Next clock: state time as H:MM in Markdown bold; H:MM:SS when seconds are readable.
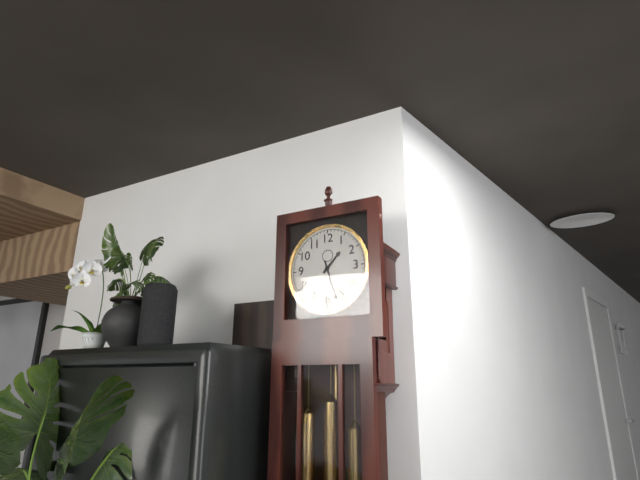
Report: **1:27**
